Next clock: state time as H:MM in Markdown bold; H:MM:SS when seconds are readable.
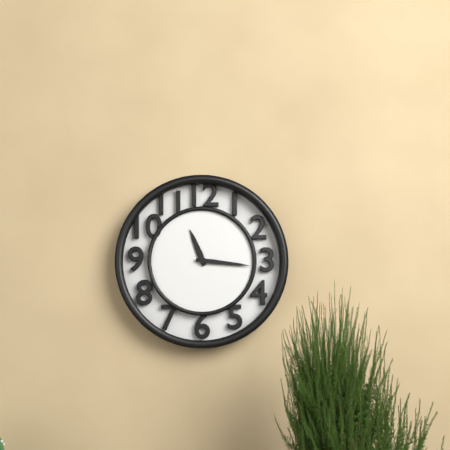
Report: **11:16**
